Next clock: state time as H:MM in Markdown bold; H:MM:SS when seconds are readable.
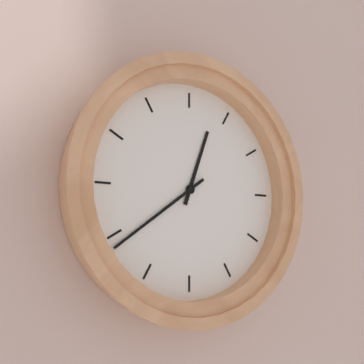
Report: **12:39**
